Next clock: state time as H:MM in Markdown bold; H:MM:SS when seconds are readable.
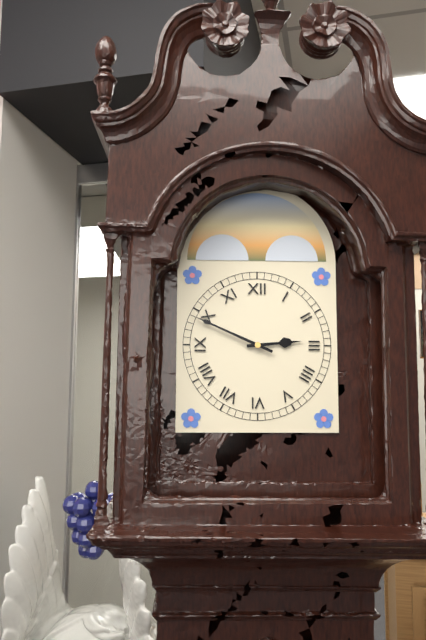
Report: **2:49**
